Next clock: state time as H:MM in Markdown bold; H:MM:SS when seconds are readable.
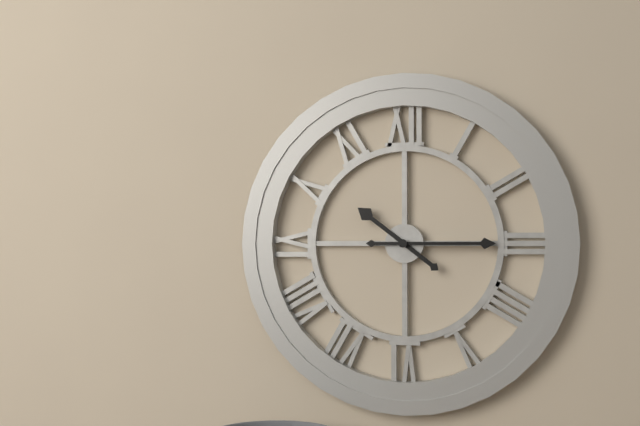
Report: **10:15**
